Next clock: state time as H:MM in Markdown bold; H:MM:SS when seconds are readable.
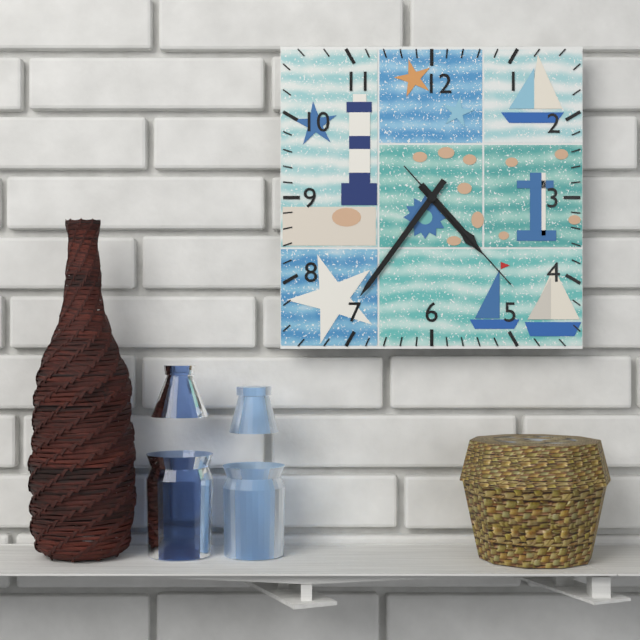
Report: **4:36:23**
